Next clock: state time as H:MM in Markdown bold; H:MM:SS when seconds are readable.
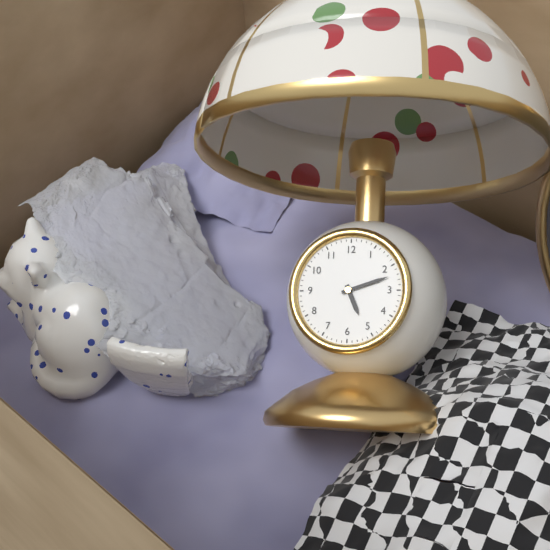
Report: **5:12**
